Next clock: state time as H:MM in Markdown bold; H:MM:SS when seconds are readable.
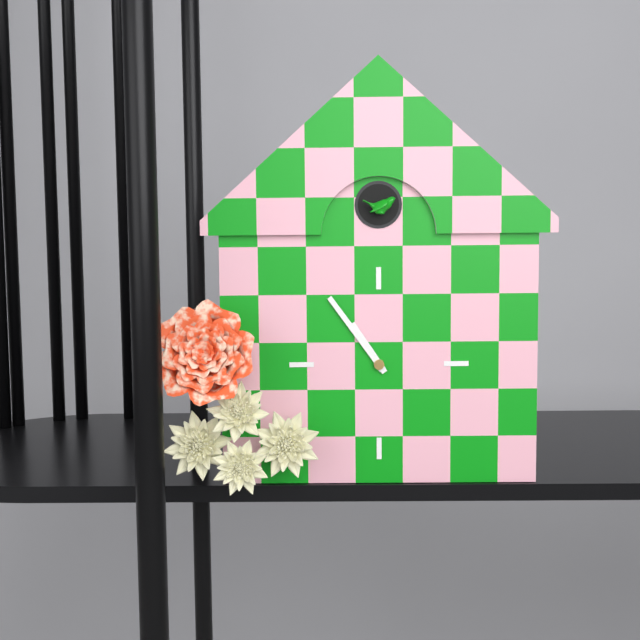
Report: **10:54**
